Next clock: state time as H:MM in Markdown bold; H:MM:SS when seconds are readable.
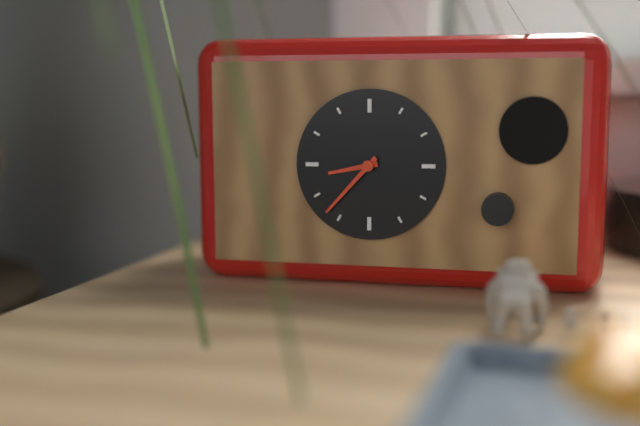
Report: **8:37**
